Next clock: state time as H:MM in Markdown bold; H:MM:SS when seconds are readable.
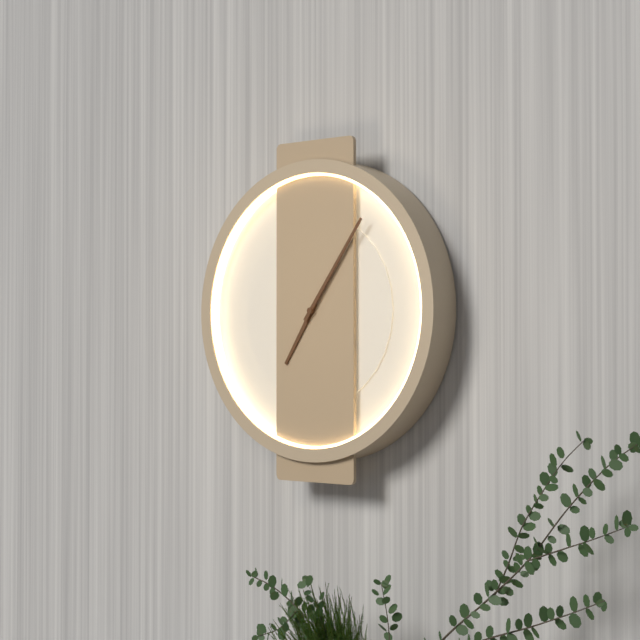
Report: **7:06**
